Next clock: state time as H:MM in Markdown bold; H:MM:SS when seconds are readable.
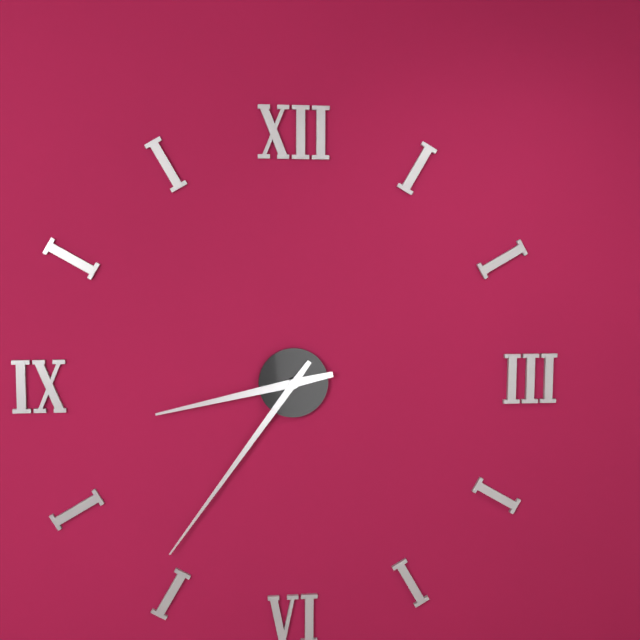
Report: **8:36**
